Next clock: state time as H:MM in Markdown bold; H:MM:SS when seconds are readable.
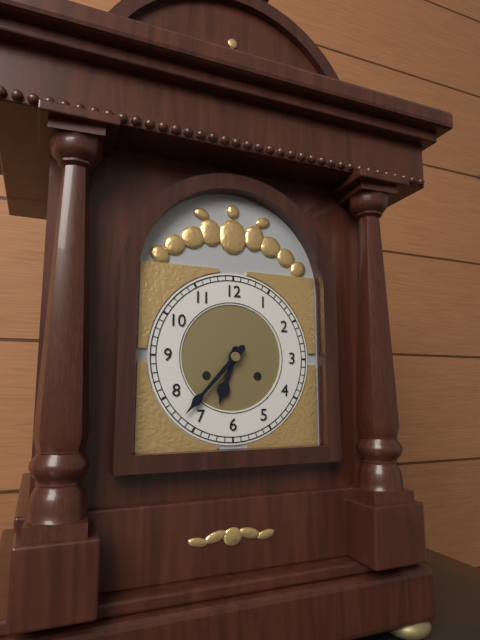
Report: **6:37**
